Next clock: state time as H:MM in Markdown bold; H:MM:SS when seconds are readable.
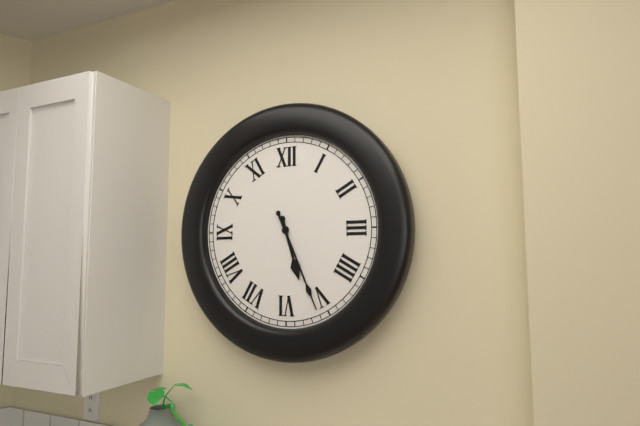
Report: **5:26**
